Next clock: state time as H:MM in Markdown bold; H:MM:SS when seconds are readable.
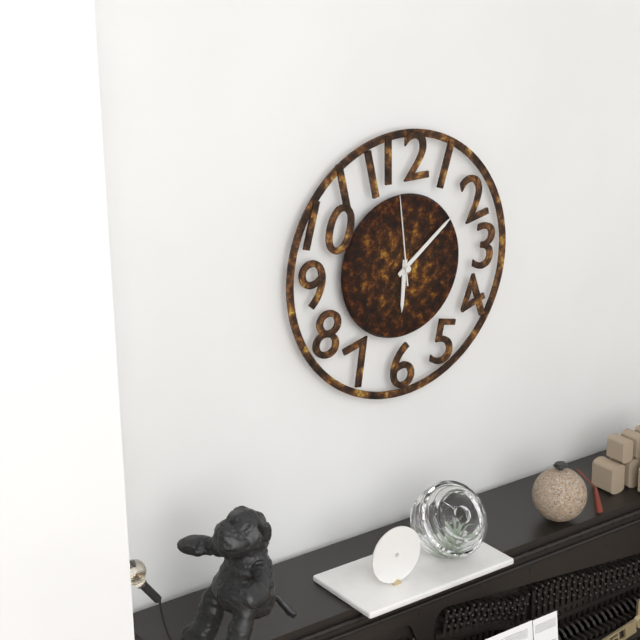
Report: **6:09:59**
